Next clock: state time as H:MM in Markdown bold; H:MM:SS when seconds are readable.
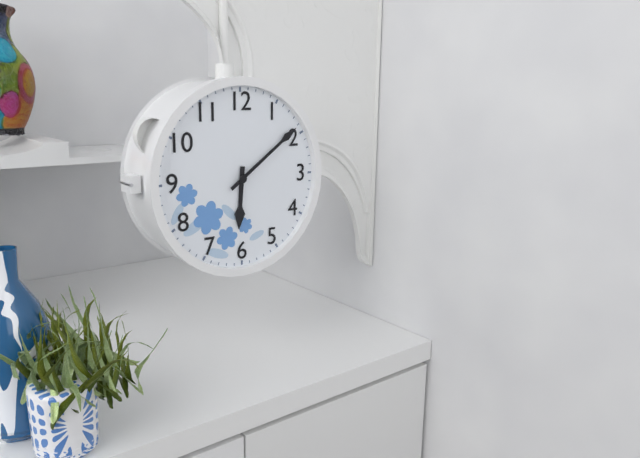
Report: **6:09**
